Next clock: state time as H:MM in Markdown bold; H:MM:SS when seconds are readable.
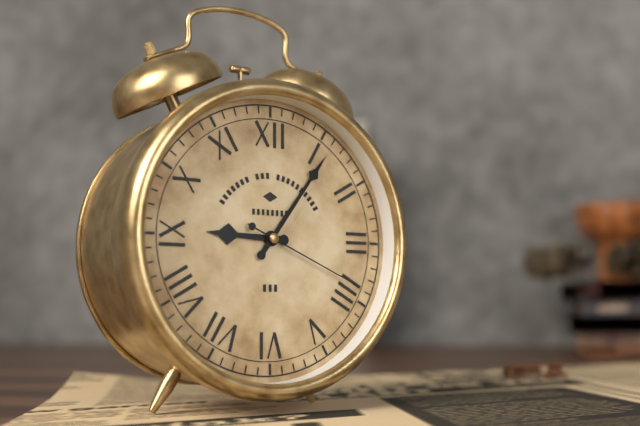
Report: **9:06:19**
